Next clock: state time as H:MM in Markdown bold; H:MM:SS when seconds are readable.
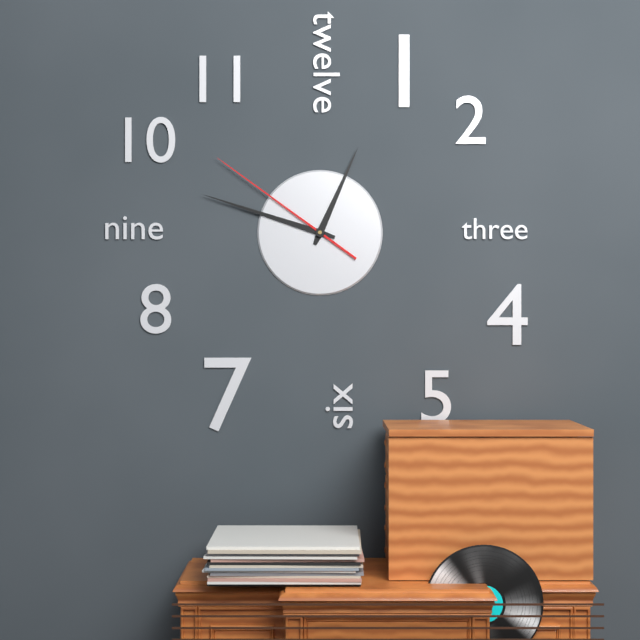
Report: **12:48:51**
